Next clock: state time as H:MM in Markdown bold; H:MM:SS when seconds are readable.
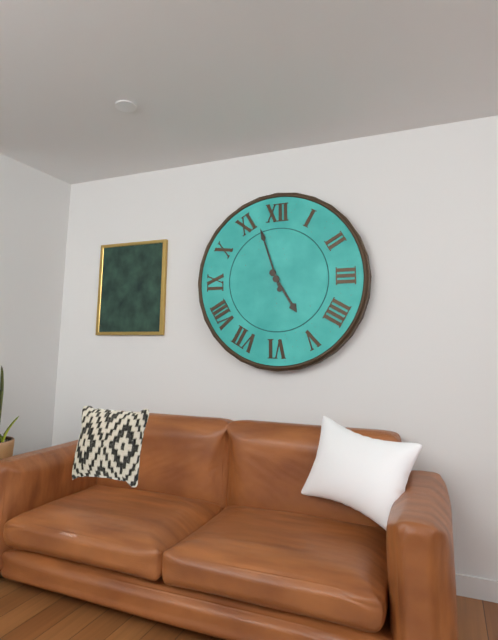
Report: **4:57**
